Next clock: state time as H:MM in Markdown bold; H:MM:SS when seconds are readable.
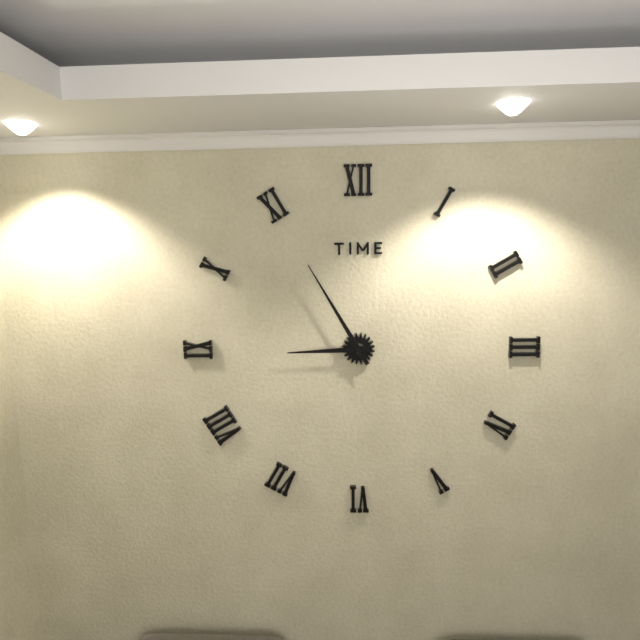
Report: **8:55**
